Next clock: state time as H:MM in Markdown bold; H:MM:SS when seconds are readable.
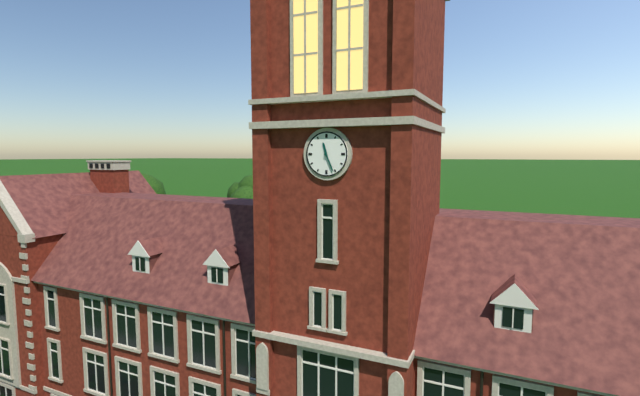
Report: **11:26**
